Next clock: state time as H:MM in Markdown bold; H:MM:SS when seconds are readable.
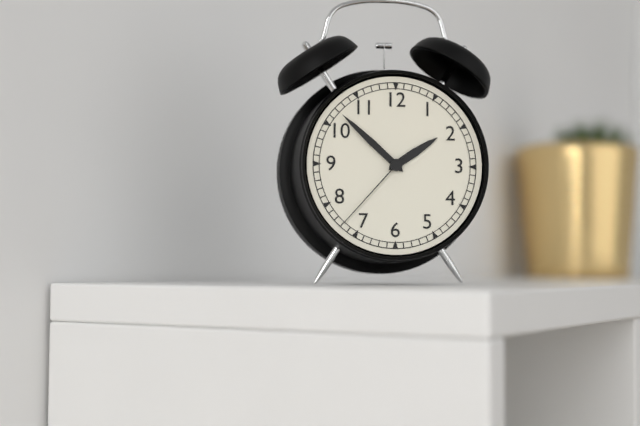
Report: **1:52:37**
